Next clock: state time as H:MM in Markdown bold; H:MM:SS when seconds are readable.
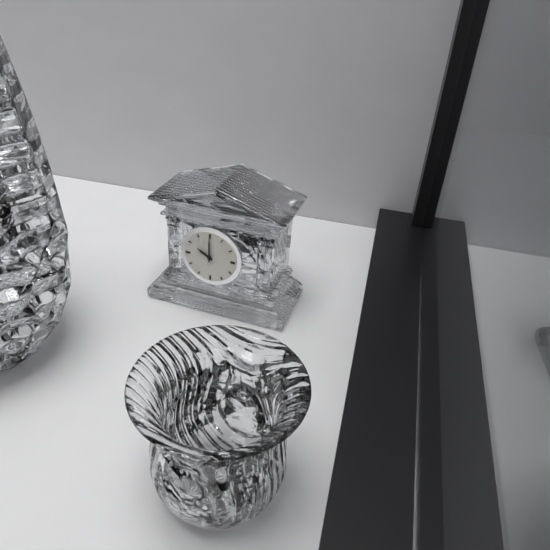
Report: **10:00**
